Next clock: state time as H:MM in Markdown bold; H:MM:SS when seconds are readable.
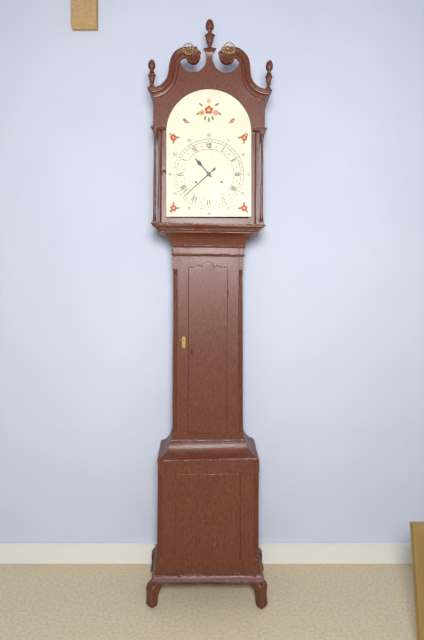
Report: **10:38**
